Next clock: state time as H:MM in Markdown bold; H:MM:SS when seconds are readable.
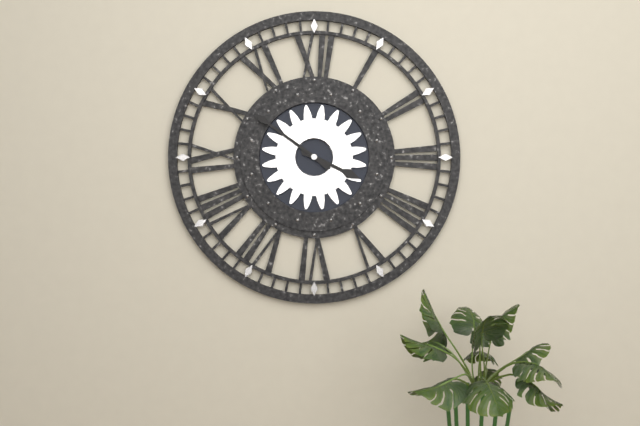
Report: **3:51**
